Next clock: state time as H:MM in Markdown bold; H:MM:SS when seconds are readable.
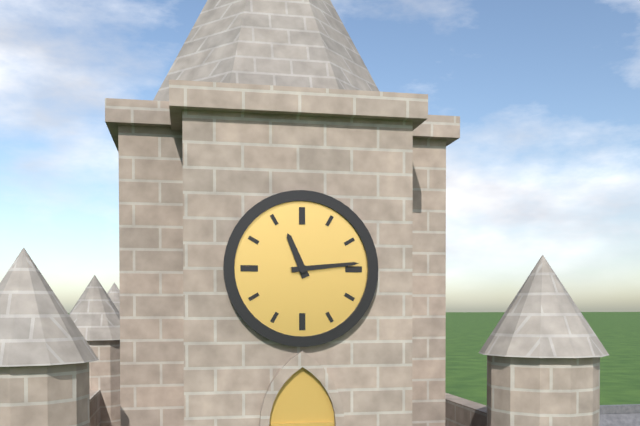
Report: **11:14**
